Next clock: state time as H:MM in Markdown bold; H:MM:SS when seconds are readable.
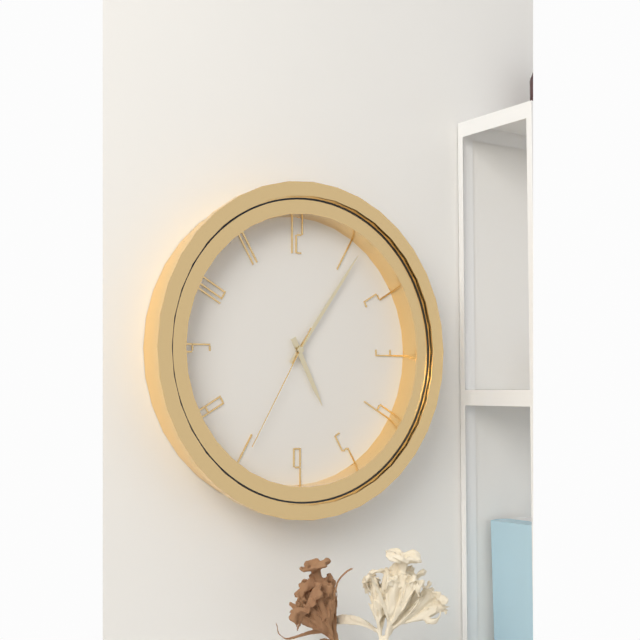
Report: **5:06:35**
